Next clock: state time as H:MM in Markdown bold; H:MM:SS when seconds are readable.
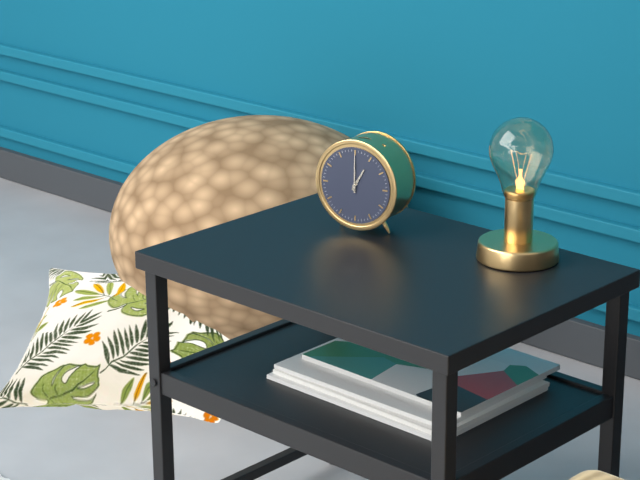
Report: **1:00**
